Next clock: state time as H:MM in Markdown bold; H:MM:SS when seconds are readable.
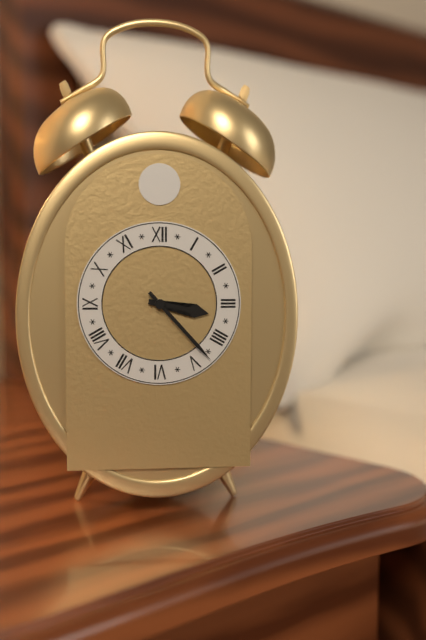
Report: **3:23**
